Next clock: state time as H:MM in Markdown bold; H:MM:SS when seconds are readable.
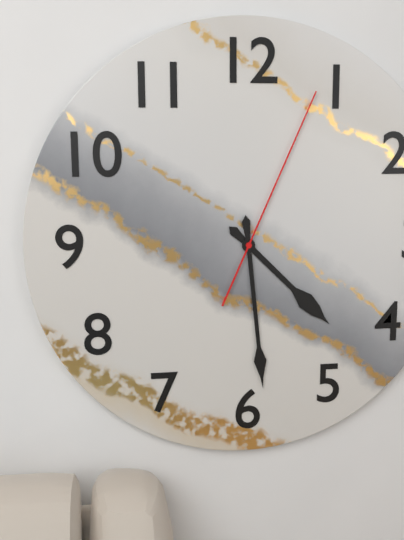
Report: **4:29:04**
